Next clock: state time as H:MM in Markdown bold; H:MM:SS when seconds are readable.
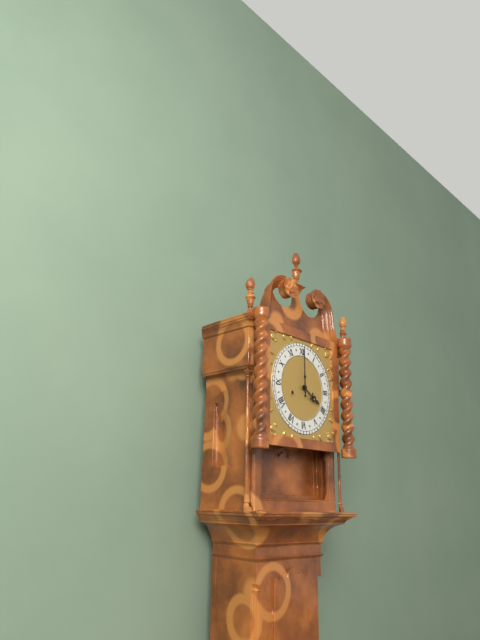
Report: **4:00**
